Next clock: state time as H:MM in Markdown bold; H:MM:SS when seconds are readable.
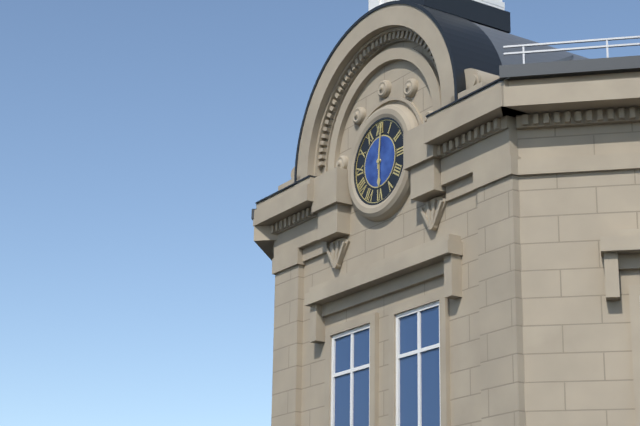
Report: **6:01**
